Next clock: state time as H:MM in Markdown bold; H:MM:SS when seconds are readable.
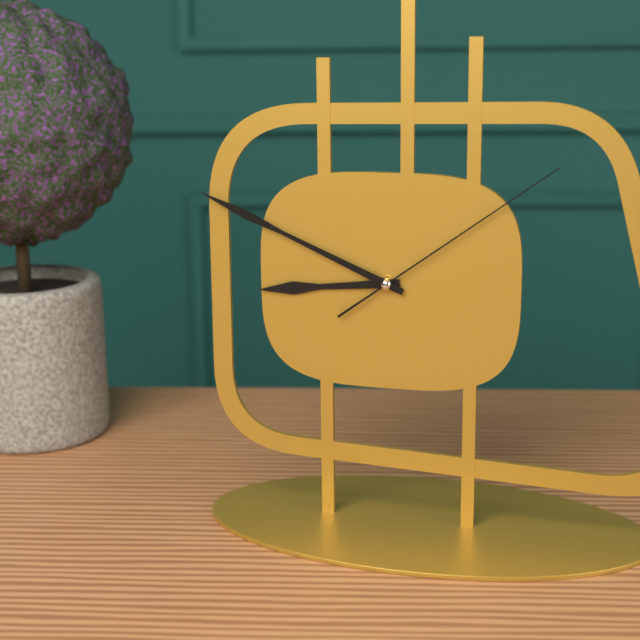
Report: **8:49:09**
